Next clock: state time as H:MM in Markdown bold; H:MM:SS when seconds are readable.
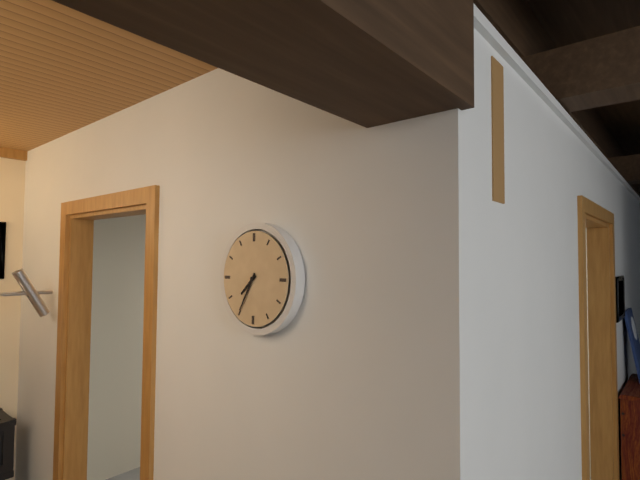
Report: **7:35**
